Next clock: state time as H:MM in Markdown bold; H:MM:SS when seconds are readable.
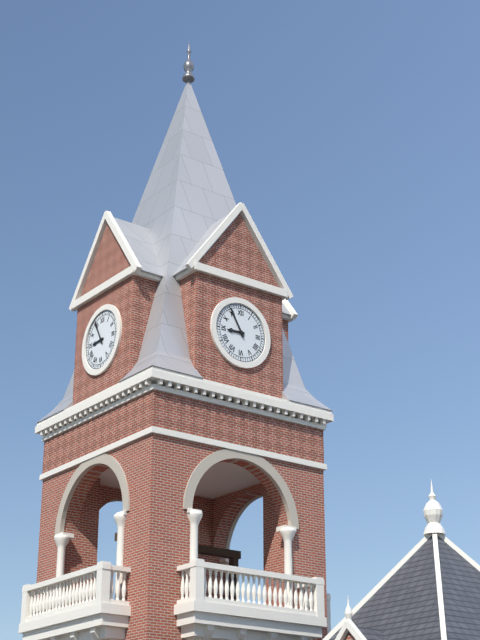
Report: **8:55**
